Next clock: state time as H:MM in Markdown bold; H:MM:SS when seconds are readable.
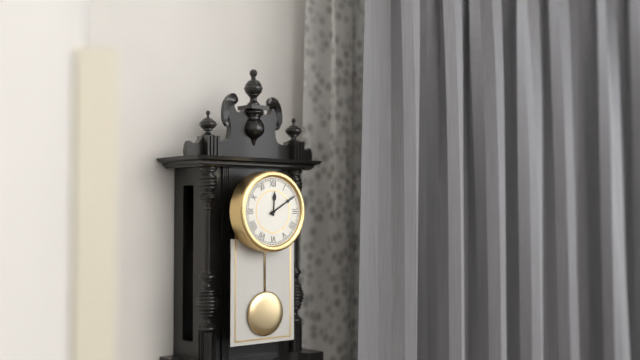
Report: **12:10**
